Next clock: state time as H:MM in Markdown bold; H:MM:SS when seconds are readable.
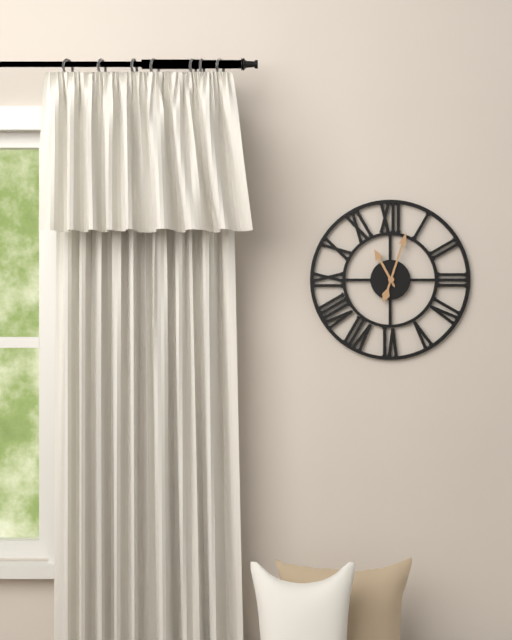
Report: **11:03**
